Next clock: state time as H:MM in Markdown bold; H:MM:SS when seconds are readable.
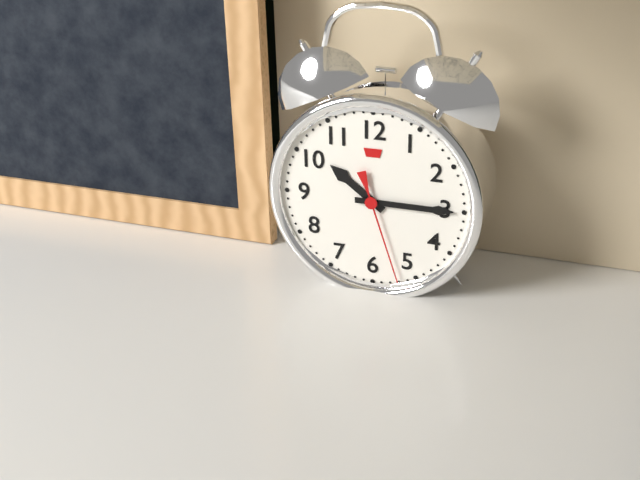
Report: **10:15:27**
